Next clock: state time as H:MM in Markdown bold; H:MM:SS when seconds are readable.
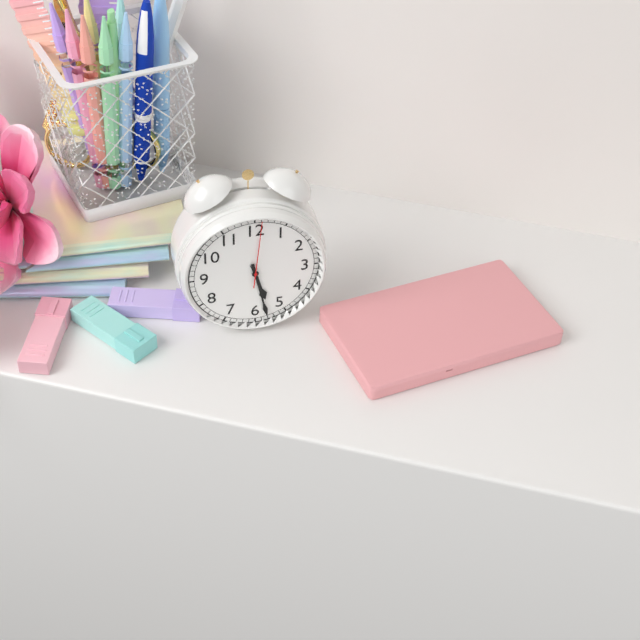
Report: **5:28:01**
